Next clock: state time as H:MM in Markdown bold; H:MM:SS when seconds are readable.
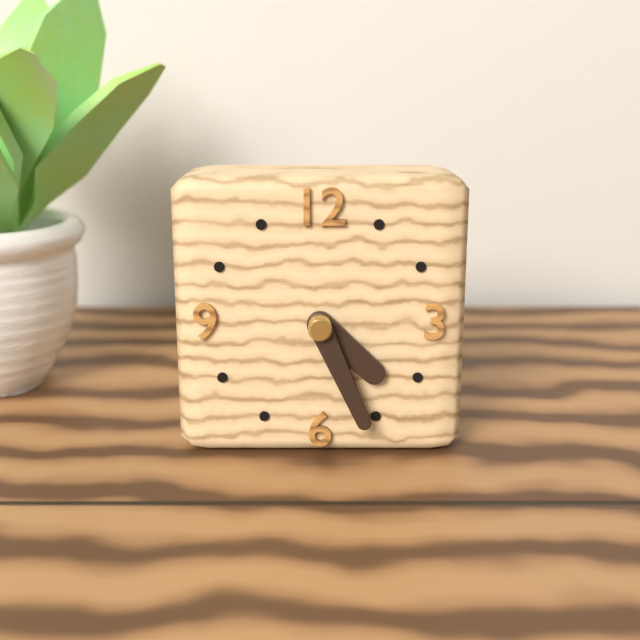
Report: **4:26**
